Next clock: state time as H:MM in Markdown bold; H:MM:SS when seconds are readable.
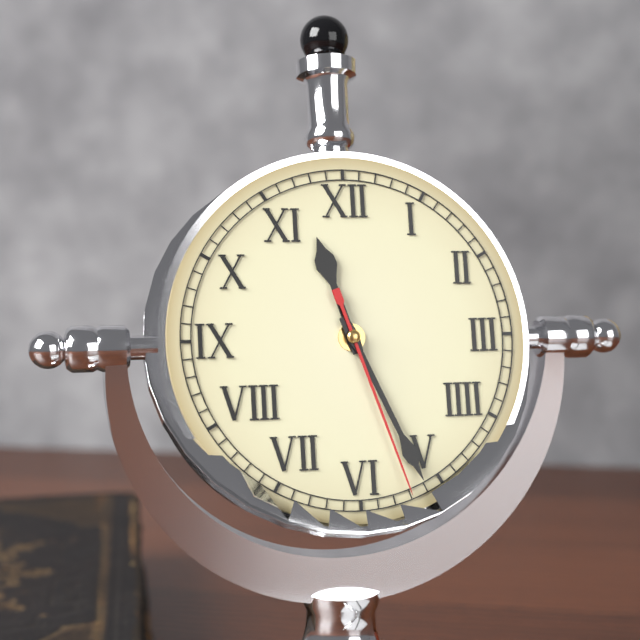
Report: **11:26:27**
